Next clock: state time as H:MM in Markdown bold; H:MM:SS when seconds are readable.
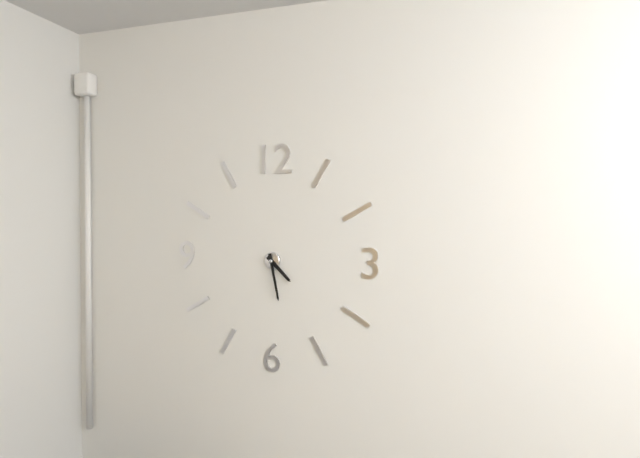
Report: **4:28**
